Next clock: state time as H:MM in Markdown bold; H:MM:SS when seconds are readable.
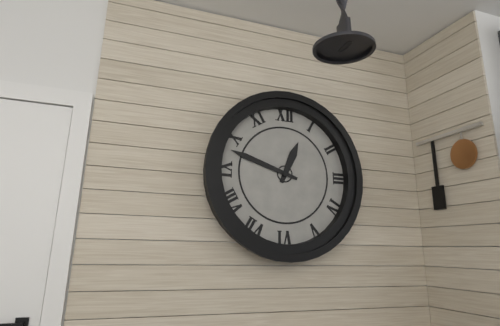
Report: **12:48**
